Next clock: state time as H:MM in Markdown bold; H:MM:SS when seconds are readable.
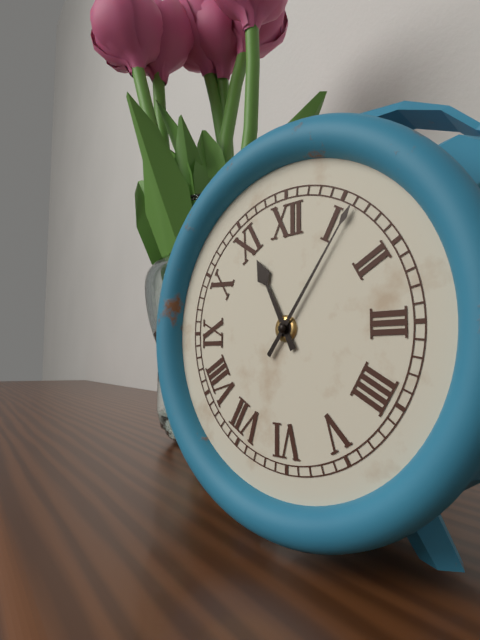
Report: **11:06**
